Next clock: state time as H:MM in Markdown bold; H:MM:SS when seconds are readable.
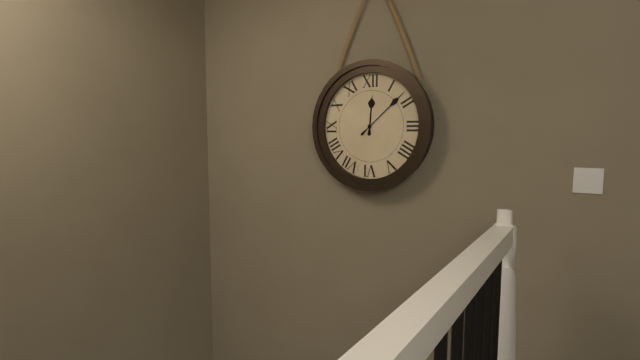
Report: **12:08**
